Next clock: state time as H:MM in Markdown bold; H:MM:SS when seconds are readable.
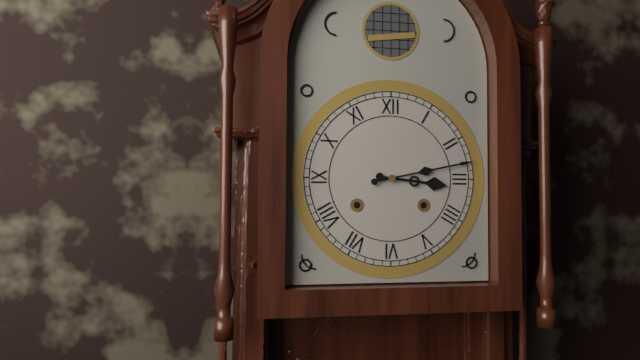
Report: **3:13**
